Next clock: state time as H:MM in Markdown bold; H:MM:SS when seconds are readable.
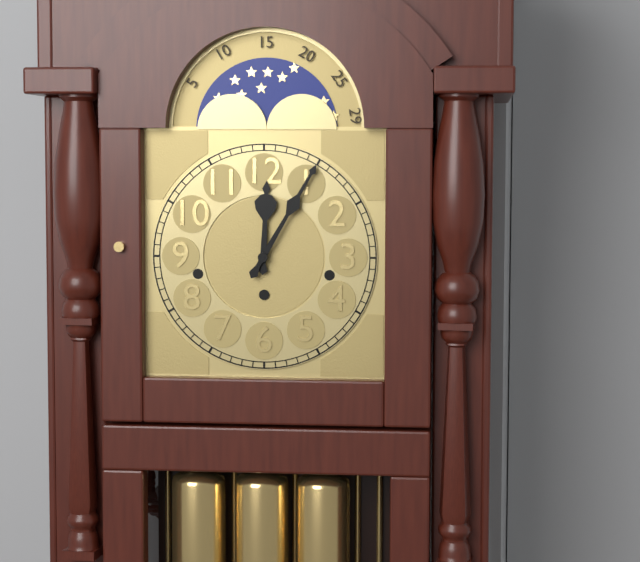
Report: **12:05**
